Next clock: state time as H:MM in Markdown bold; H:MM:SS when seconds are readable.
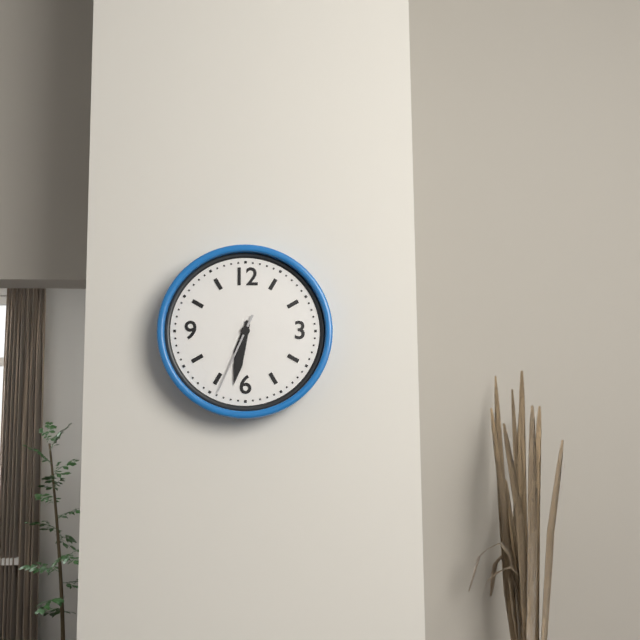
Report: **6:32:34**
